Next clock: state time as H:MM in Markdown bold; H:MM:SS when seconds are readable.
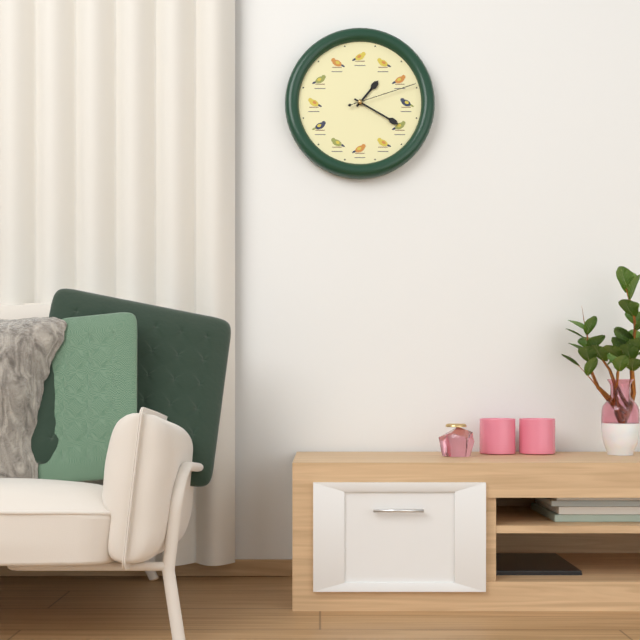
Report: **1:20:12**
